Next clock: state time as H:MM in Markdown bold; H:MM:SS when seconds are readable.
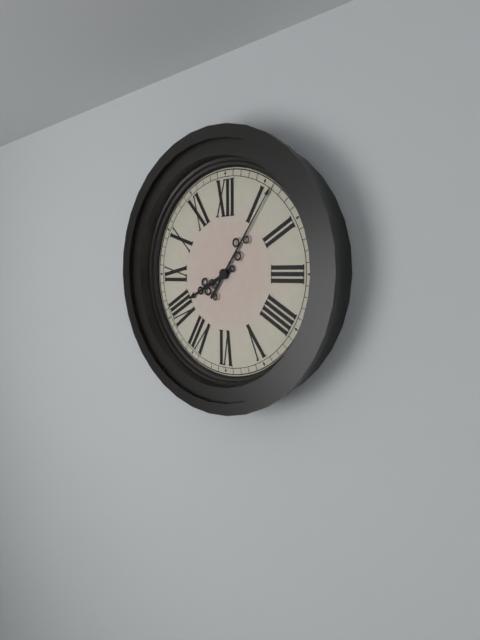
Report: **8:06**
